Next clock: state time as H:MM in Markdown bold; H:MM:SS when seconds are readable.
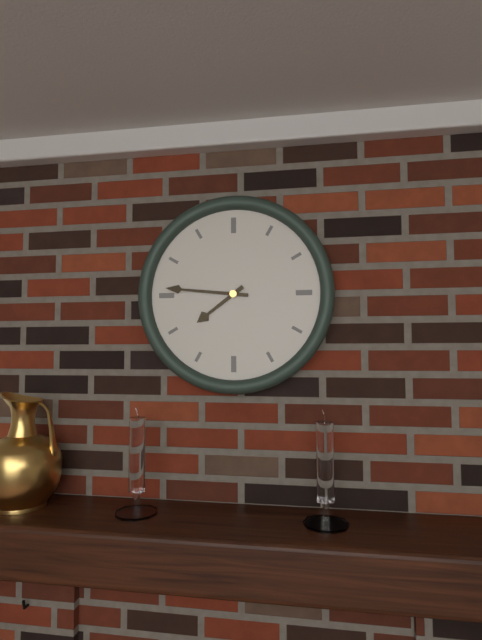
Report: **7:46**
